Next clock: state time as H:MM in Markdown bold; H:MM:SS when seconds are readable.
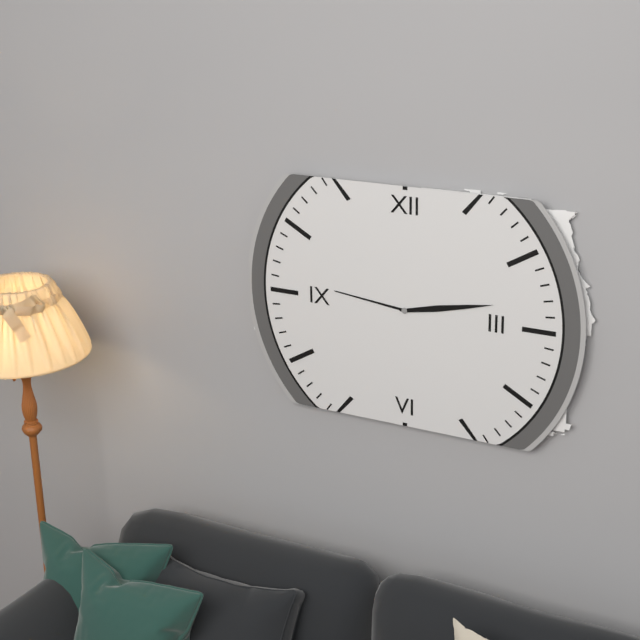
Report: **9:13**
